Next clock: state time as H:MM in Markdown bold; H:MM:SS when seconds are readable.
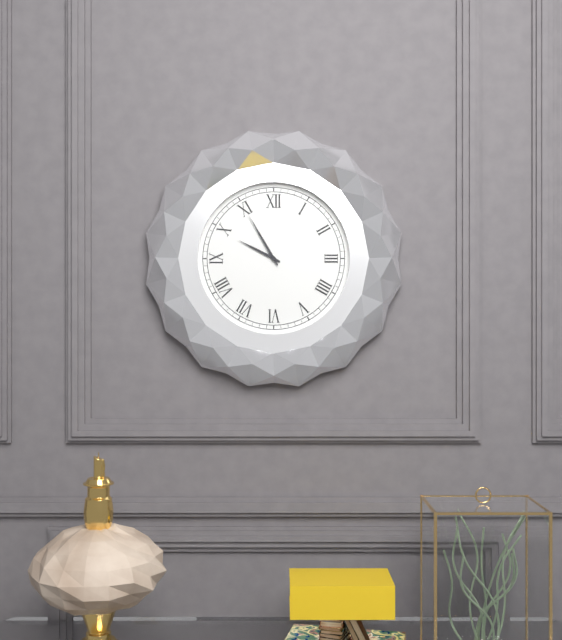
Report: **9:55**
